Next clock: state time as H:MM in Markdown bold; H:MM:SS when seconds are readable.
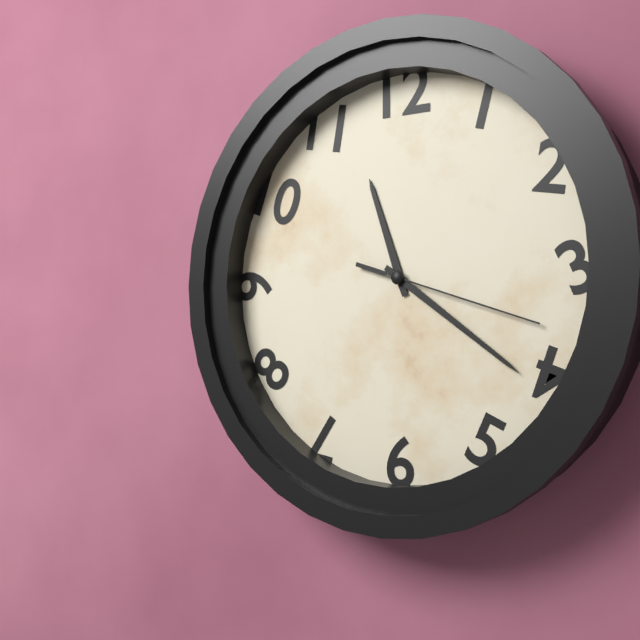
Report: **11:21:18**
